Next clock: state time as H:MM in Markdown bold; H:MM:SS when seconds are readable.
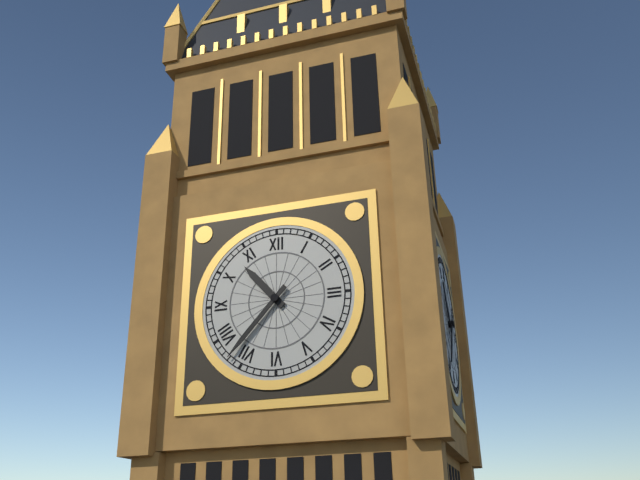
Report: **10:37**
